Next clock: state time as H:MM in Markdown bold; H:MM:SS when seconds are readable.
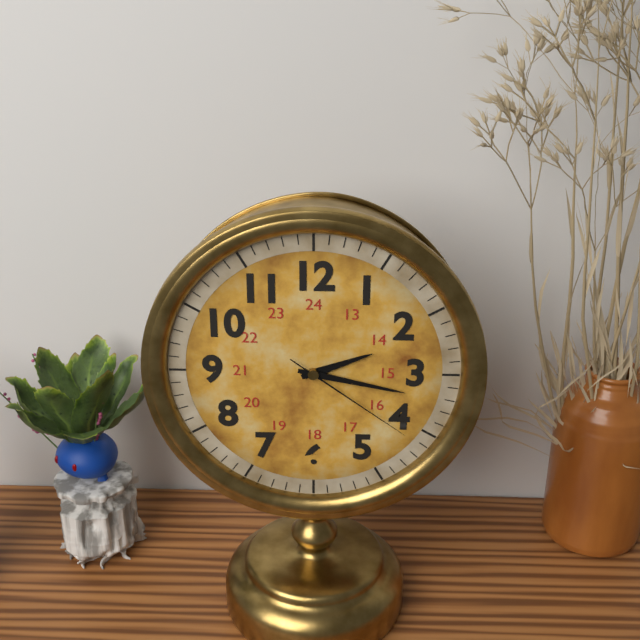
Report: **2:17:21**
